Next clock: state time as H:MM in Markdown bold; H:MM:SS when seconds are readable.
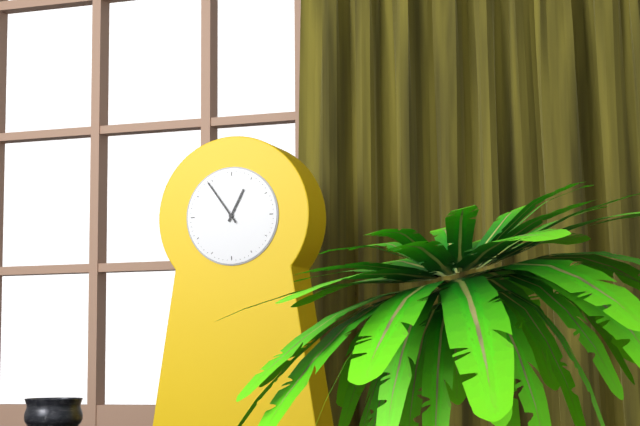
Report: **12:54**
